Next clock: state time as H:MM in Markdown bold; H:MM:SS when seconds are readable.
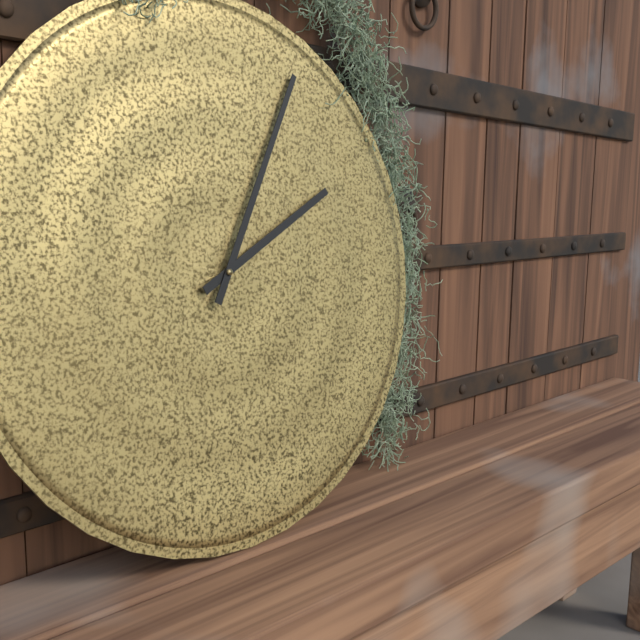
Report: **2:05**
